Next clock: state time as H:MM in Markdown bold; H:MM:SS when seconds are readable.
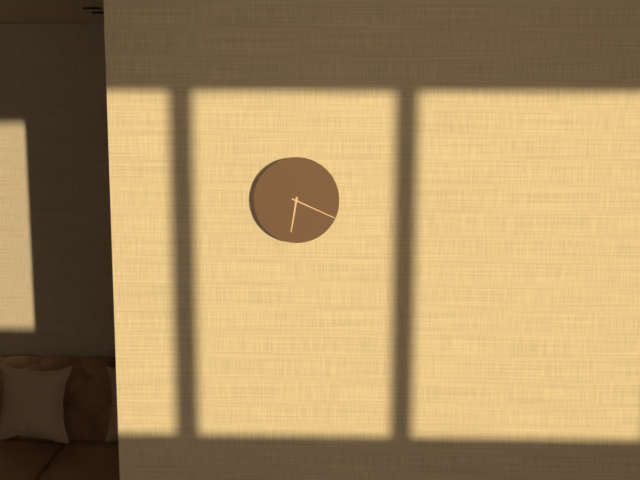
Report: **6:19**
